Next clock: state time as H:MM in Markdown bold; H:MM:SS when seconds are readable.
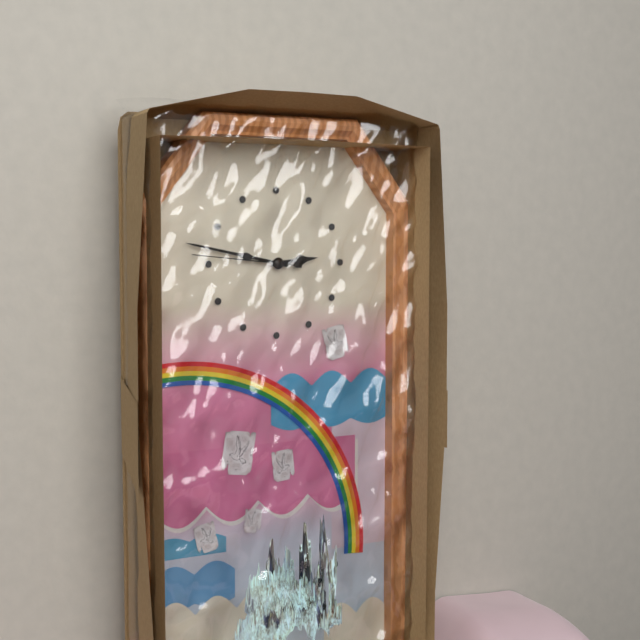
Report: **2:47:46**
